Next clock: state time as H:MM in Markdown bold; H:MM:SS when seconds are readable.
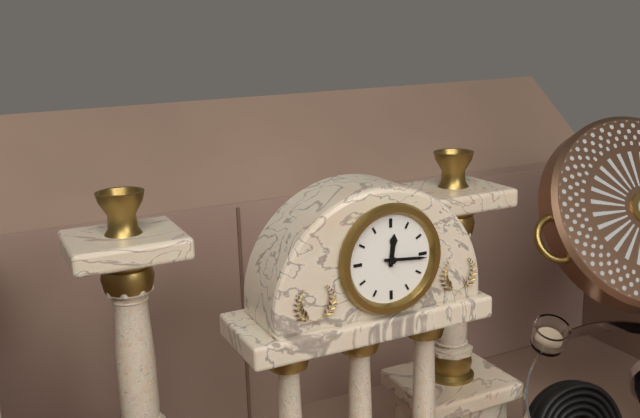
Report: **12:16**
